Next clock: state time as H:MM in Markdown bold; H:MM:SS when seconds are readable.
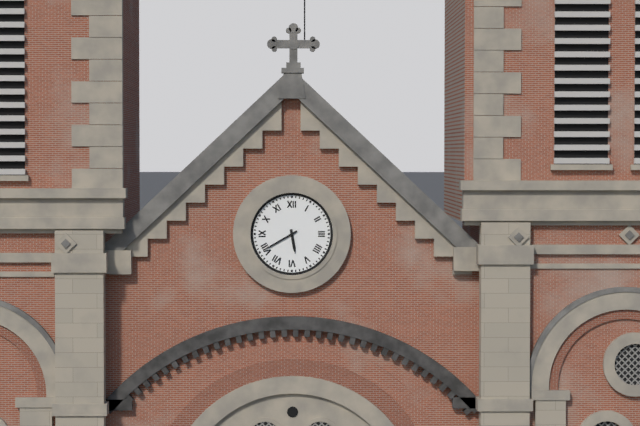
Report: **5:40**
